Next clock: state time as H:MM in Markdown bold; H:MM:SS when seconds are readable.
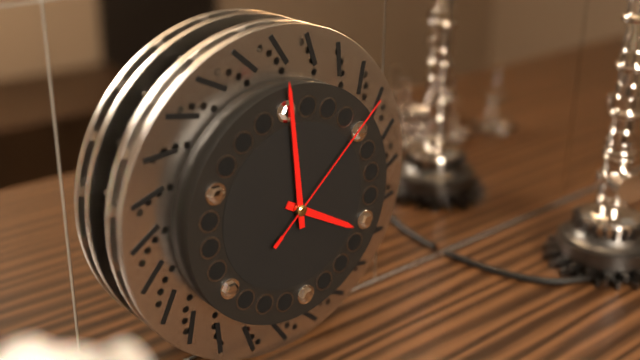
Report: **3:59:08**
